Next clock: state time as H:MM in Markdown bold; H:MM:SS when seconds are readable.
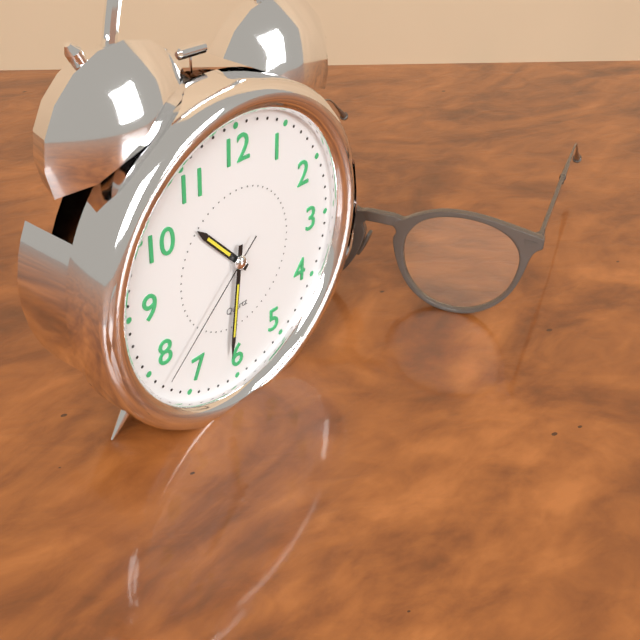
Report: **10:31:38**
